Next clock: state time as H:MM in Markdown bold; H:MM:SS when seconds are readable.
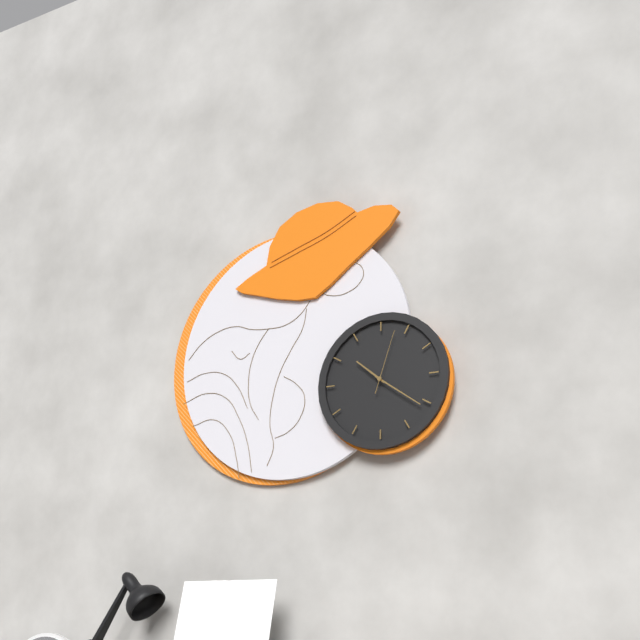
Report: **10:21:03**
